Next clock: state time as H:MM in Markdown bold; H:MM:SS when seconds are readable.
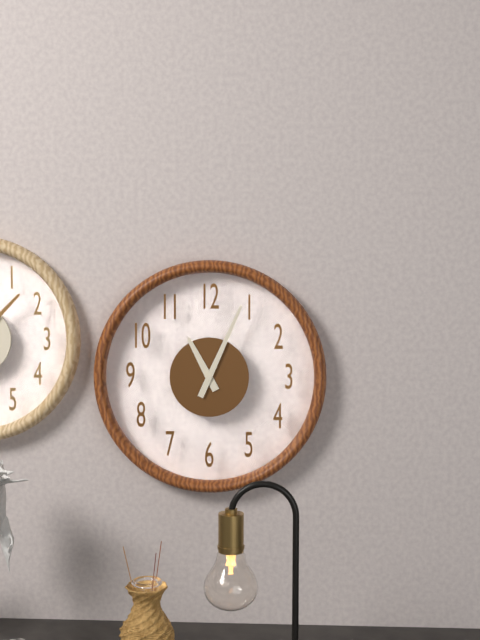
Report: **11:04**
